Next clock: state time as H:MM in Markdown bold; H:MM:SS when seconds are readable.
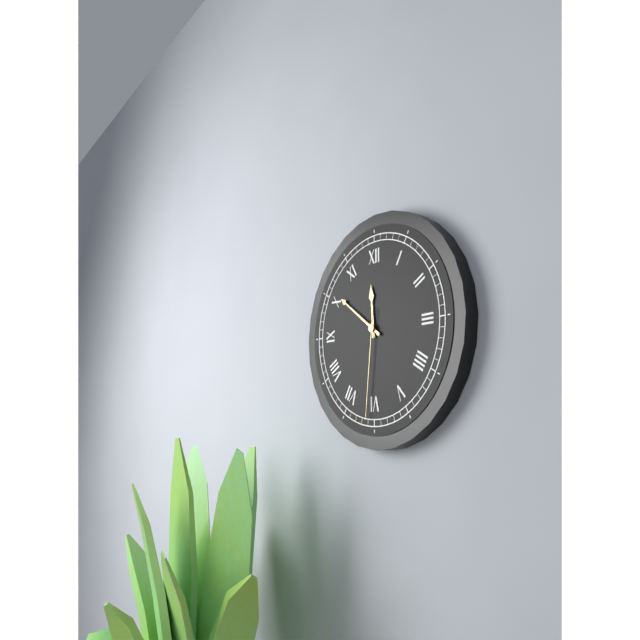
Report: **11:51:31**
